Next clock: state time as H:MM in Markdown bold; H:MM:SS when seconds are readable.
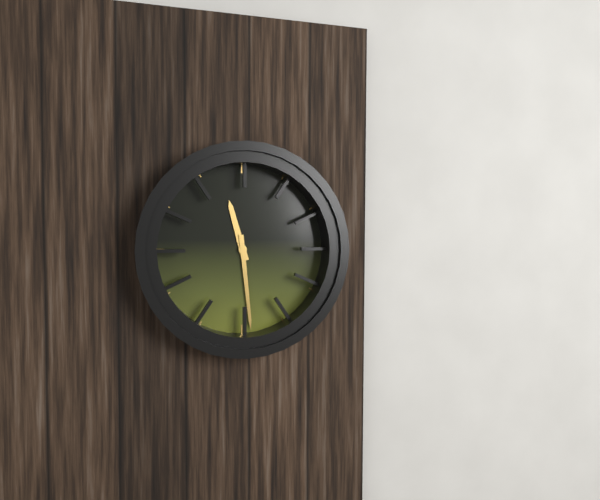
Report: **11:29**
